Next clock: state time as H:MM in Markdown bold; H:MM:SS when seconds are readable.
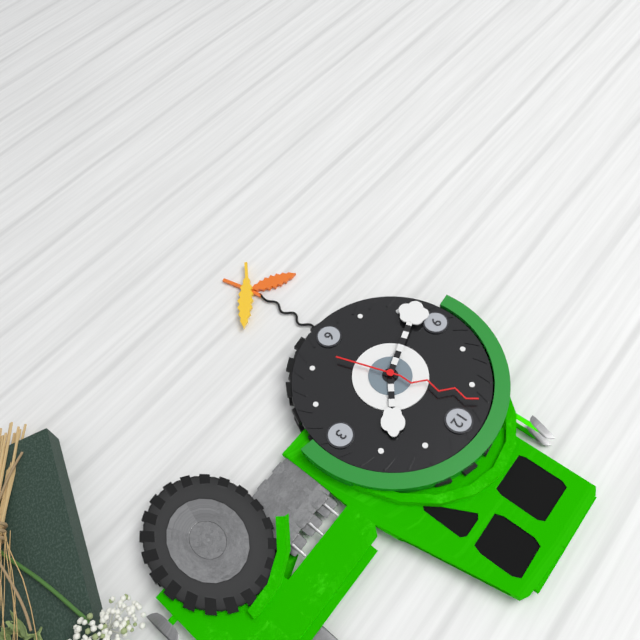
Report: **1:42:57**
